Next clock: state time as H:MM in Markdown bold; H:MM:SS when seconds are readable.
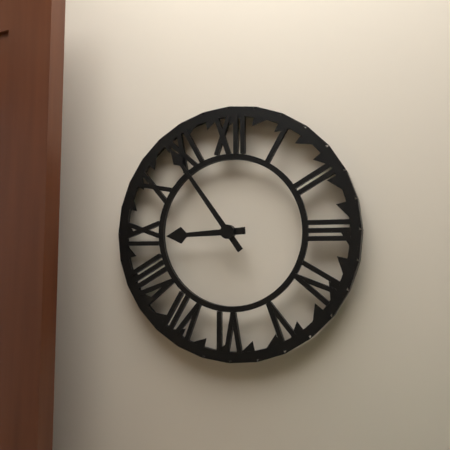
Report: **8:54**
